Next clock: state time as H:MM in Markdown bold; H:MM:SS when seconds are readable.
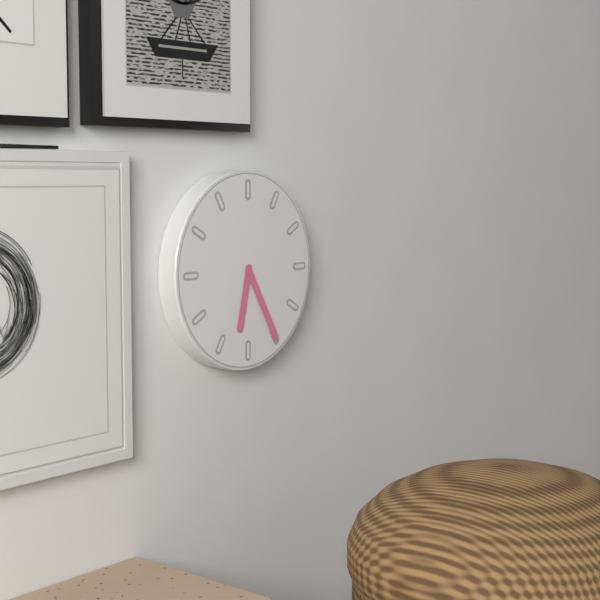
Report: **6:25**
